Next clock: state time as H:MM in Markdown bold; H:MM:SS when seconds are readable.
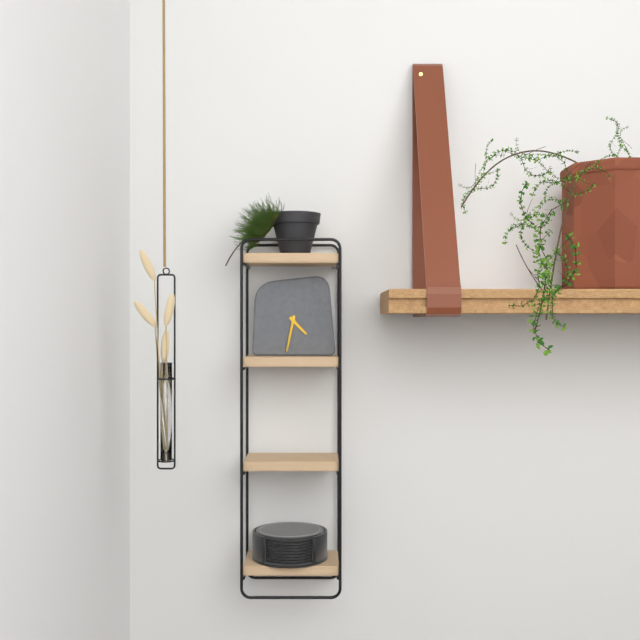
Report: **4:32**
